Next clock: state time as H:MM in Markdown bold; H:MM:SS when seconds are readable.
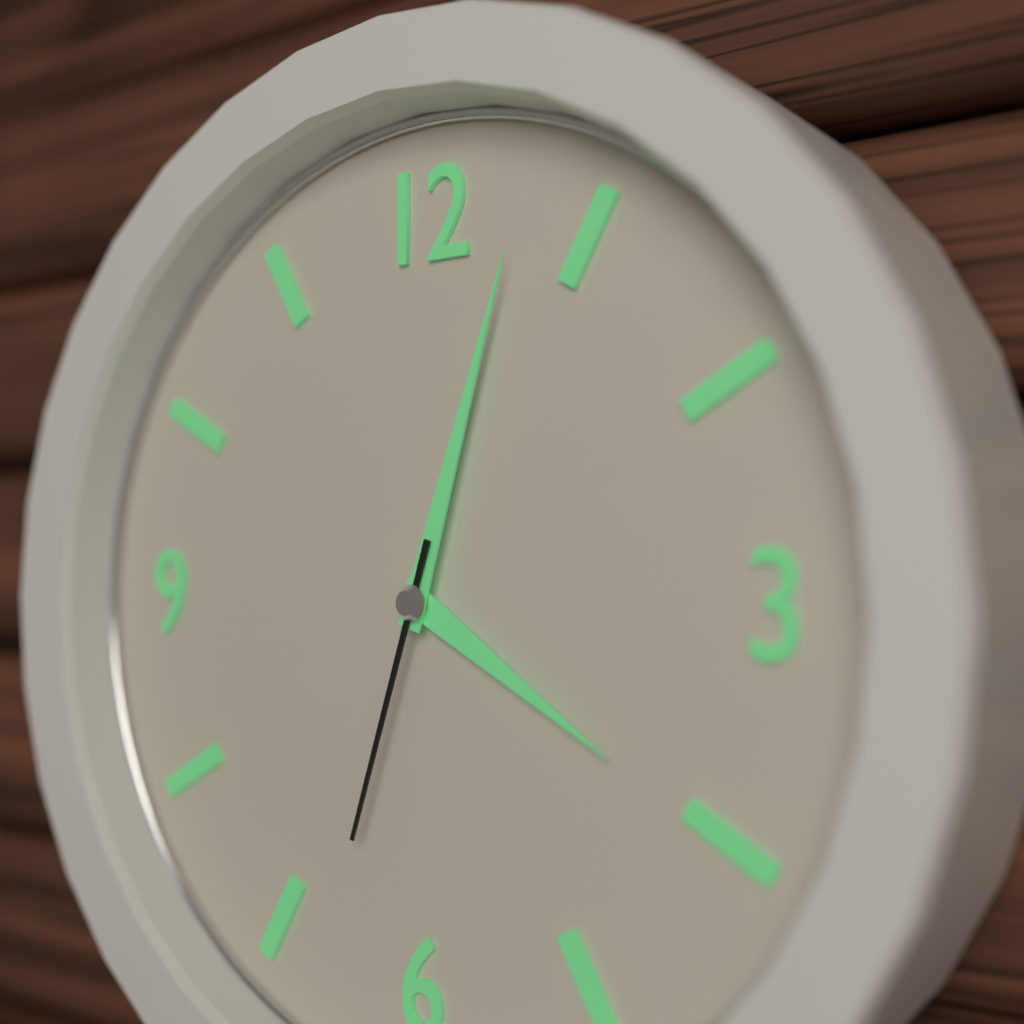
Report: **4:03:33**
